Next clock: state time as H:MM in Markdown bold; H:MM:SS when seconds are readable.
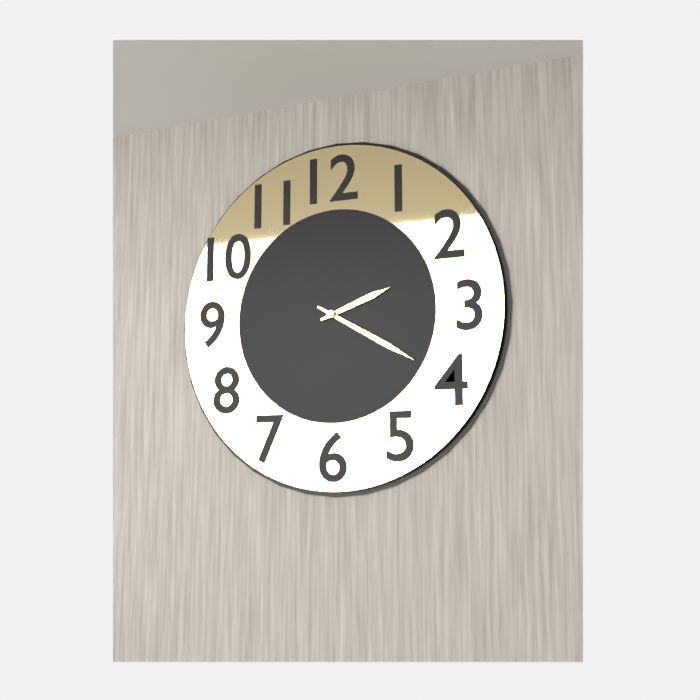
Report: **2:20**
